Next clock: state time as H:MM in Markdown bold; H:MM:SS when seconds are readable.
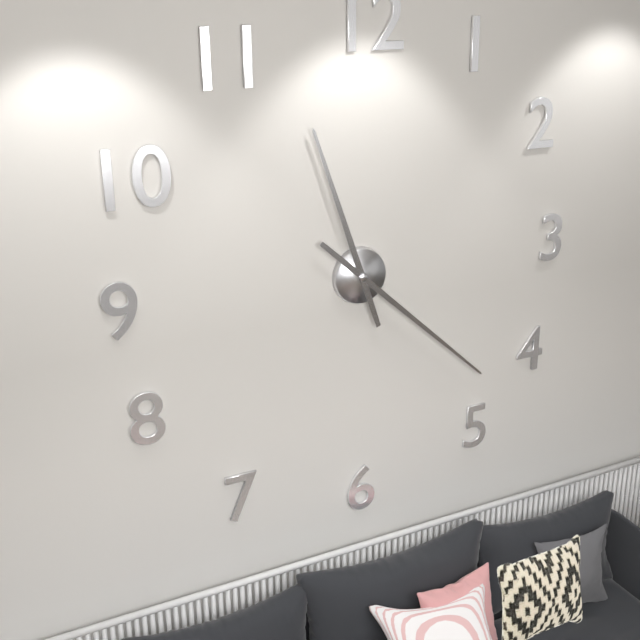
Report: **11:22**
